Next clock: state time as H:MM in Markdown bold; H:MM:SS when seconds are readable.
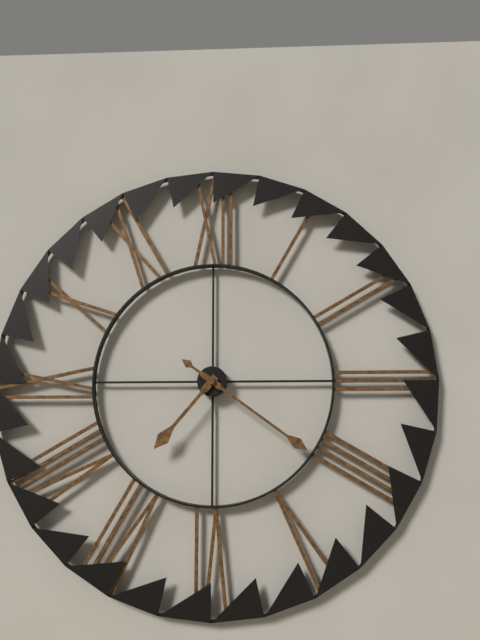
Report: **7:21**
